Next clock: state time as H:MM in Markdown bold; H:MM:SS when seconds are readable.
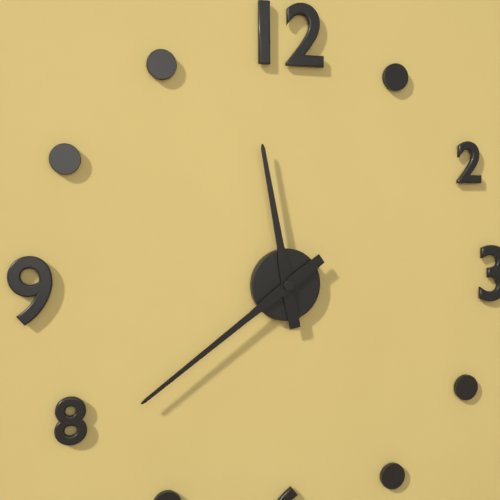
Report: **11:39**
